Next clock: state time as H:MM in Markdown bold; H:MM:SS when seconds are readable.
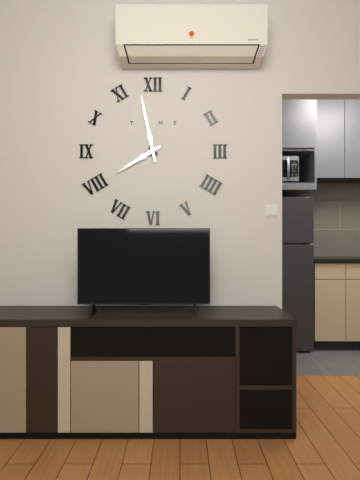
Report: **7:58**
